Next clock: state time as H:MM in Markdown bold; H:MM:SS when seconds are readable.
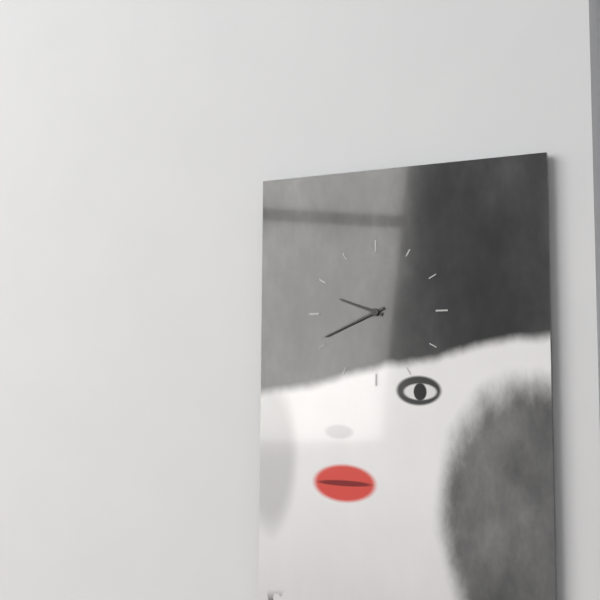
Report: **9:41**
